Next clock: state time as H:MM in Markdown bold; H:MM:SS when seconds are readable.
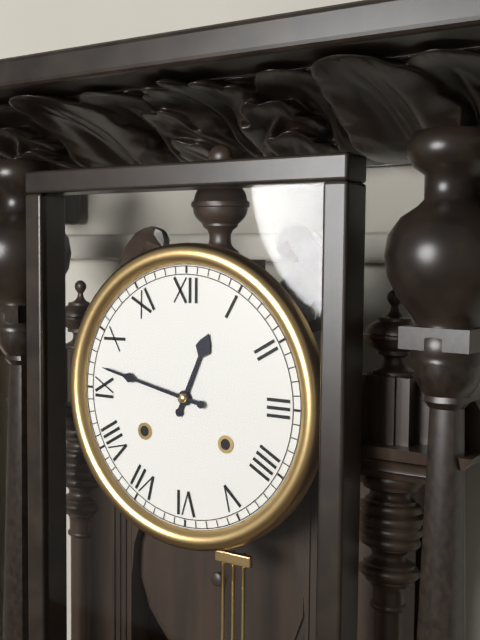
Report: **12:47**
